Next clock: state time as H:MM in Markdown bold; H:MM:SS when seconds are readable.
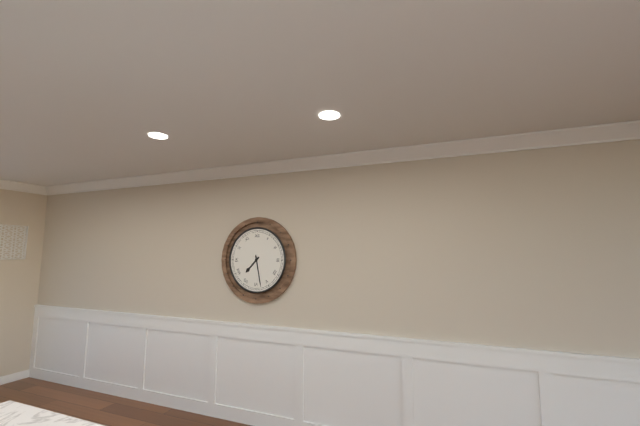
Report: **7:28**
